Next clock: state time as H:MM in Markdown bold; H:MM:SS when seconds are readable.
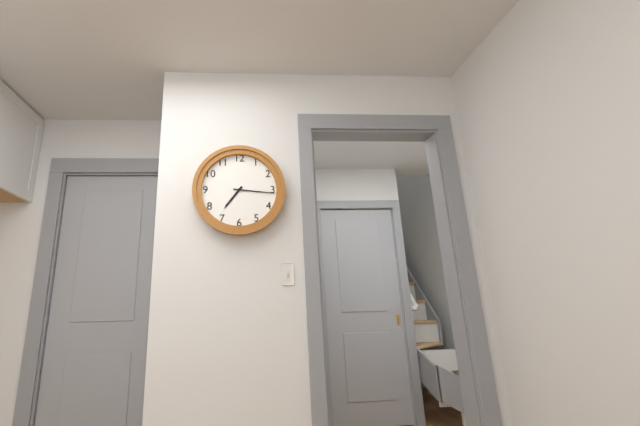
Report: **7:16**
